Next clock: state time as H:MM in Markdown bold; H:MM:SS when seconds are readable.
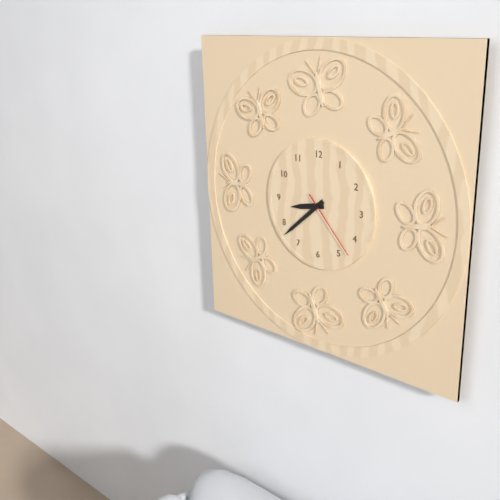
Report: **8:38:23**
